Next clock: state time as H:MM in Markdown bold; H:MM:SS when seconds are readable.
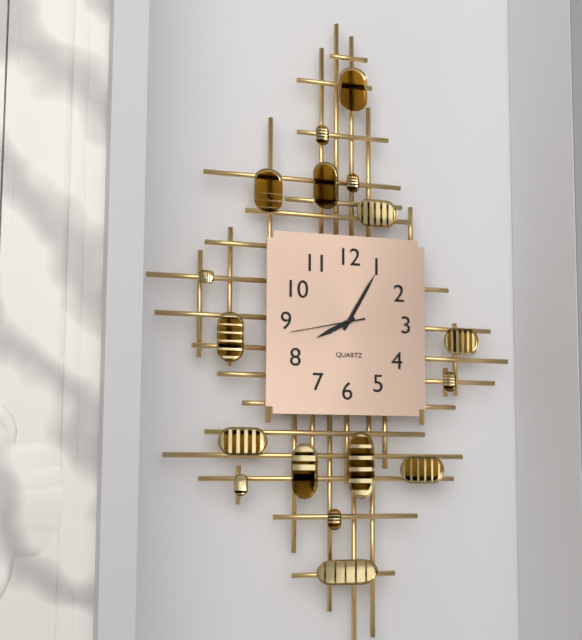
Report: **8:05:43**
